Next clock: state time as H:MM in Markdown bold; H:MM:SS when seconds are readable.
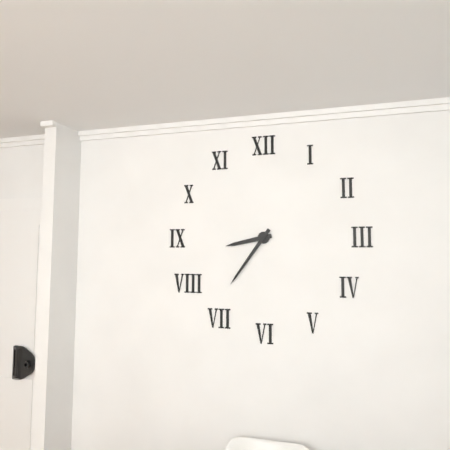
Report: **8:36**
